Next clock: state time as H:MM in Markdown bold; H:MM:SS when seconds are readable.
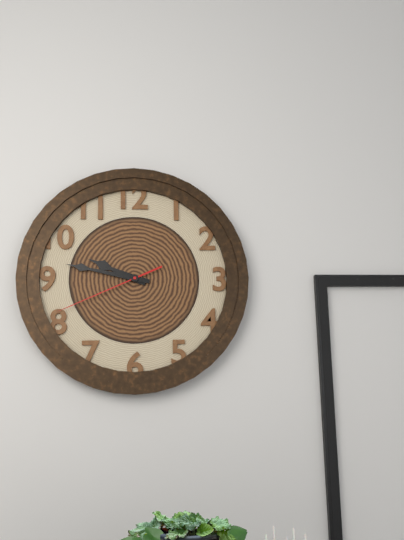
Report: **9:47:41**
